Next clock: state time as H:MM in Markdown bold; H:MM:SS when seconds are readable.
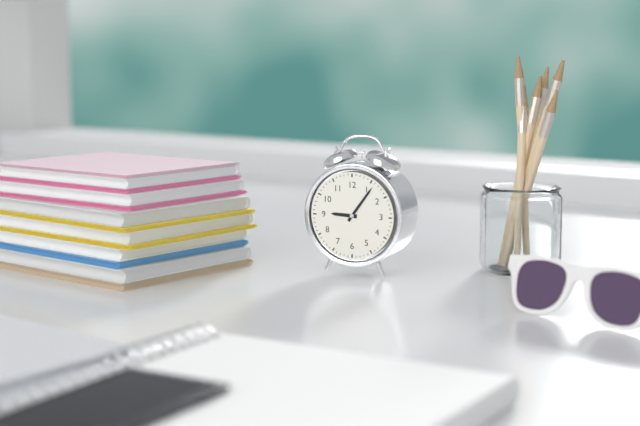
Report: **9:06**
